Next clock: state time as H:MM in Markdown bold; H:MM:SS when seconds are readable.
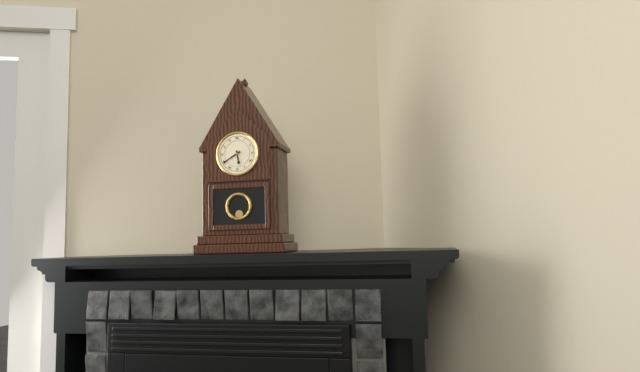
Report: **5:40**
